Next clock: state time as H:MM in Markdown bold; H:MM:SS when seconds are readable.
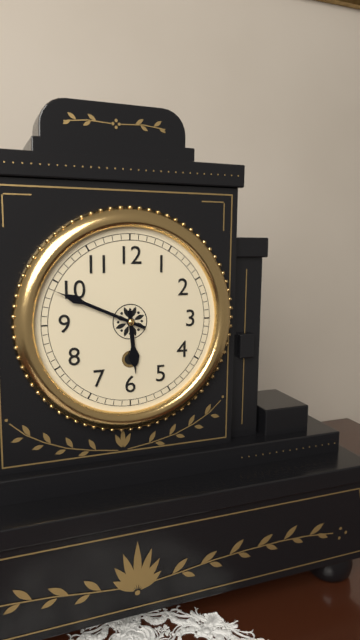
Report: **5:49**
